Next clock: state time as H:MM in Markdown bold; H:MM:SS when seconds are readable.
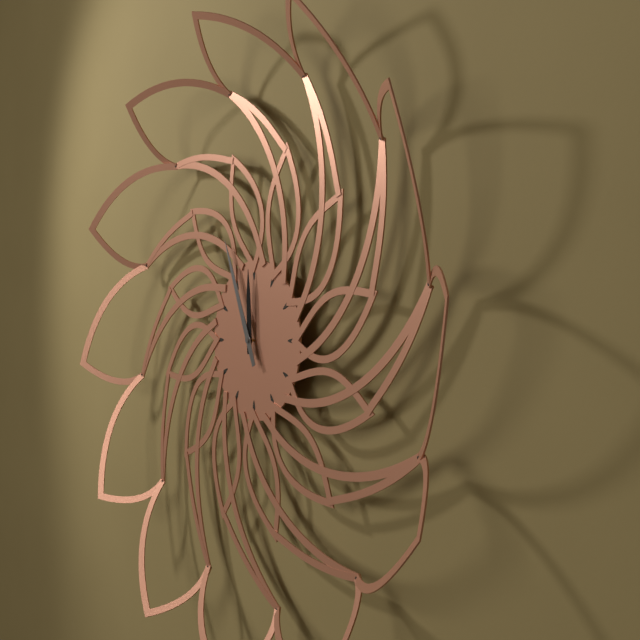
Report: **11:56**
